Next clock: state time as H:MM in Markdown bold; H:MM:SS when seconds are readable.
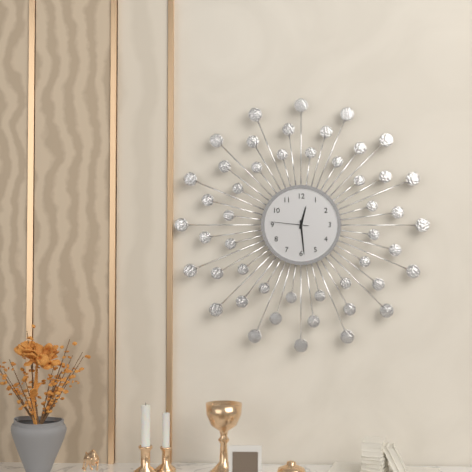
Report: **12:29**
